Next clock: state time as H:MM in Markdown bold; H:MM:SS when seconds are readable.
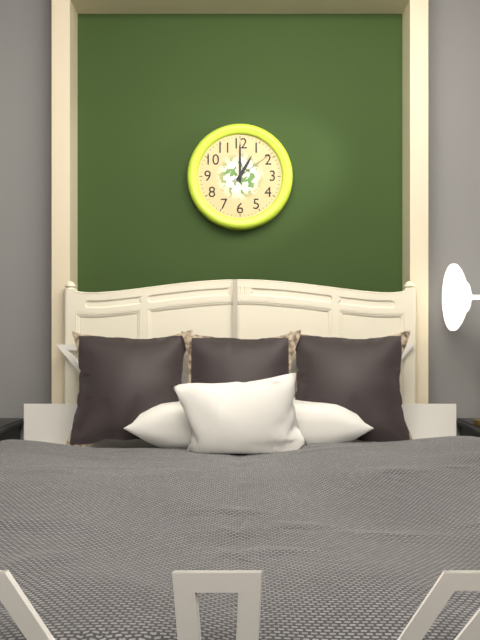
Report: **1:00:09**
